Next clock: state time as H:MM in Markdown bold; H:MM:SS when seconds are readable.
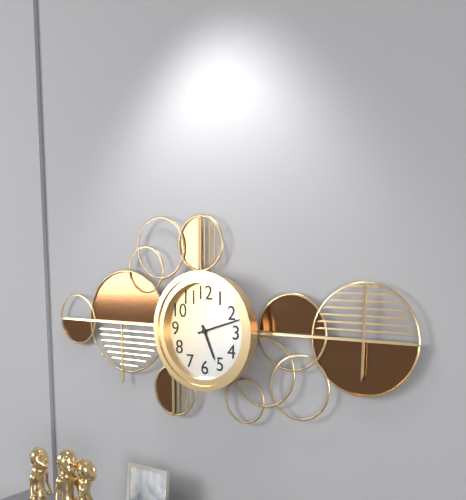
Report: **5:12**
